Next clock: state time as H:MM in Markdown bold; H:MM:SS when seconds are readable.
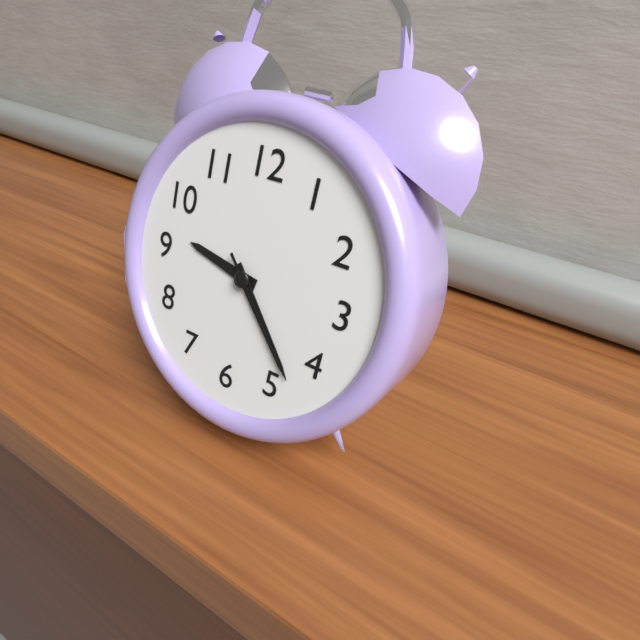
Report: **9:23:23**
